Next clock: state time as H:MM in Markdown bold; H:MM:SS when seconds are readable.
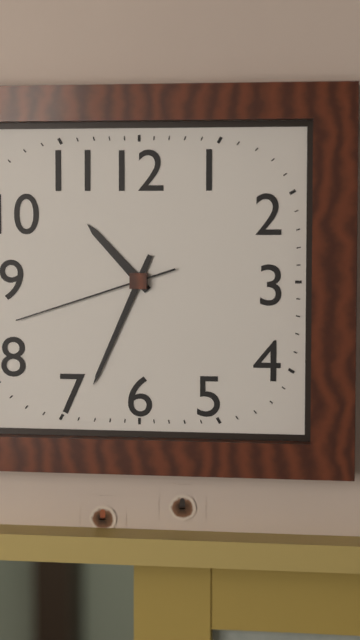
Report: **10:34:42**
